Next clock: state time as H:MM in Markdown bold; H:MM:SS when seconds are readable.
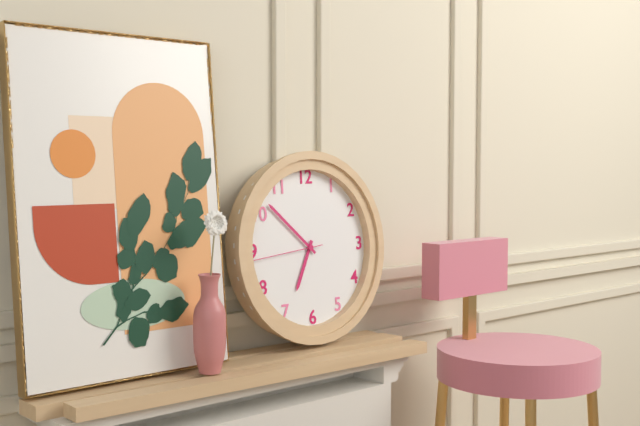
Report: **6:52:44**
